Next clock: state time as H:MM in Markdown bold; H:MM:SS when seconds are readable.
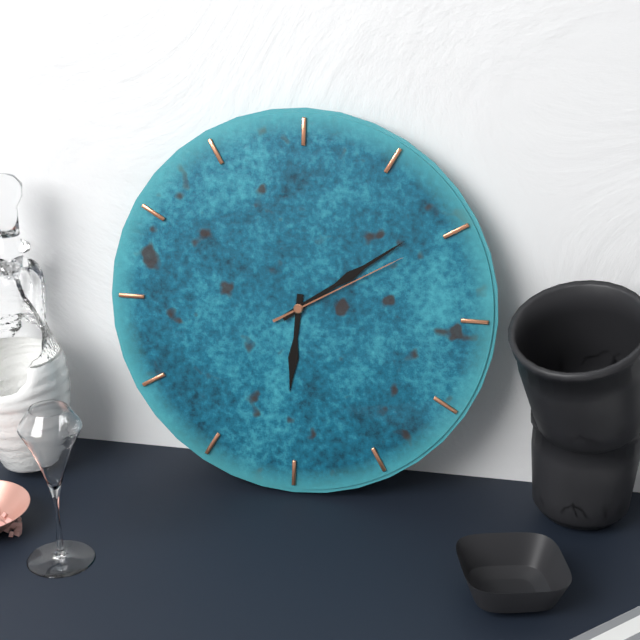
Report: **6:09:10**
